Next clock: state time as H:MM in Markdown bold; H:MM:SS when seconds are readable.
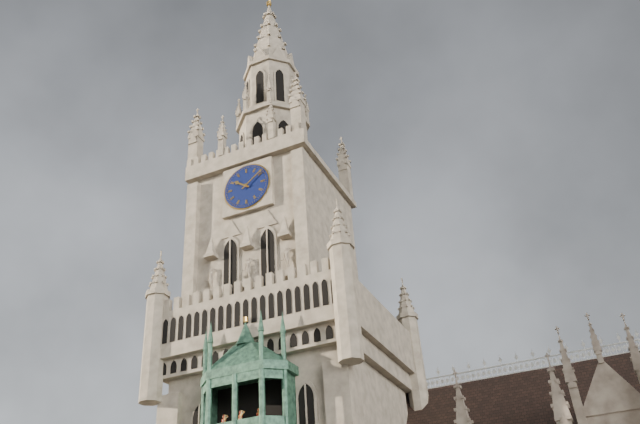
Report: **10:09**
